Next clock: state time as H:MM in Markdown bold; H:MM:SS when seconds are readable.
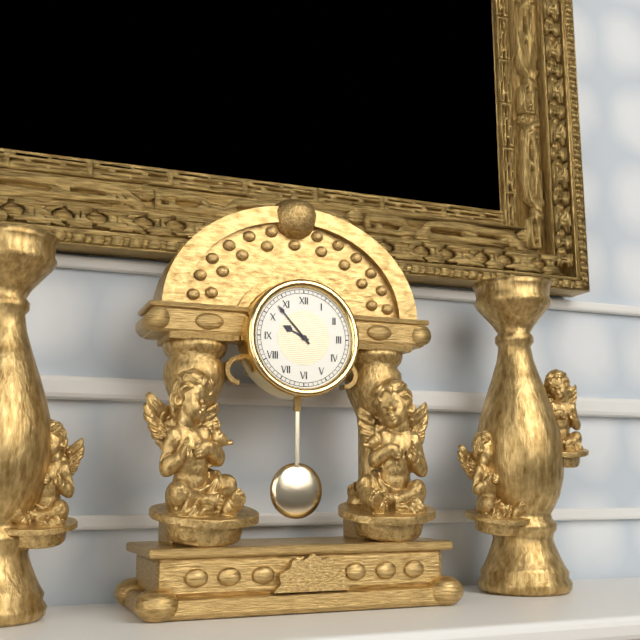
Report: **9:53**
